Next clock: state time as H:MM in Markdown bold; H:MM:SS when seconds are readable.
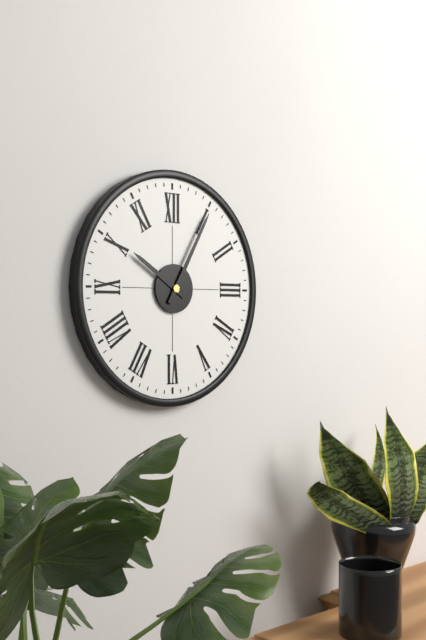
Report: **10:05**
